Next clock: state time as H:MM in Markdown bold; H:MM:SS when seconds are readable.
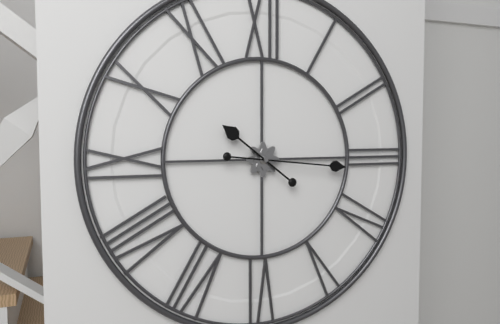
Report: **10:16**
